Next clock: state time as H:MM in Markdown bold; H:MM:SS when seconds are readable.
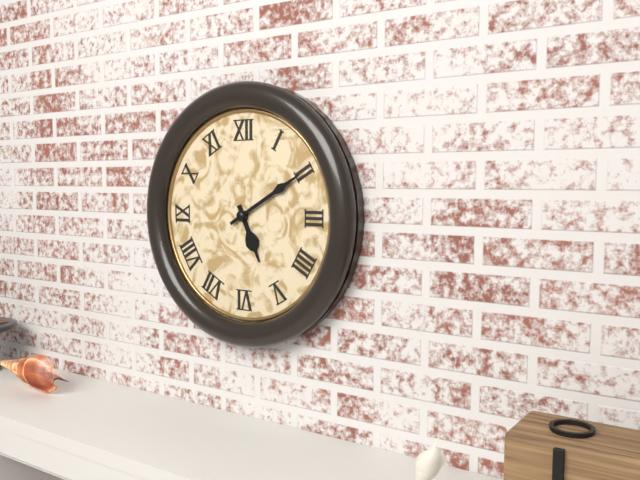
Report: **5:10**
